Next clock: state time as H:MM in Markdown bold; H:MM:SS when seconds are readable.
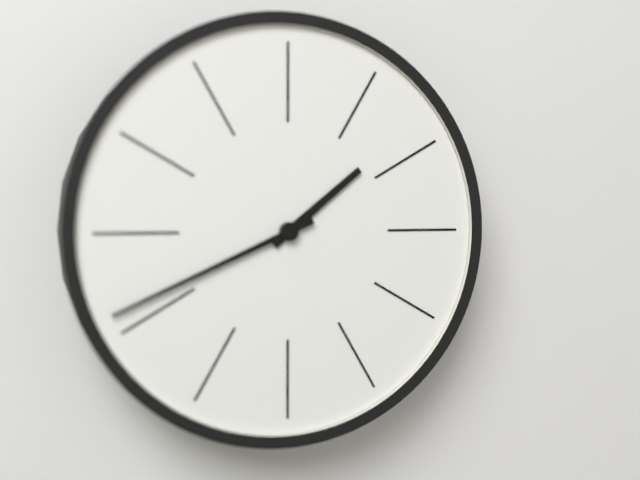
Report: **1:41**
